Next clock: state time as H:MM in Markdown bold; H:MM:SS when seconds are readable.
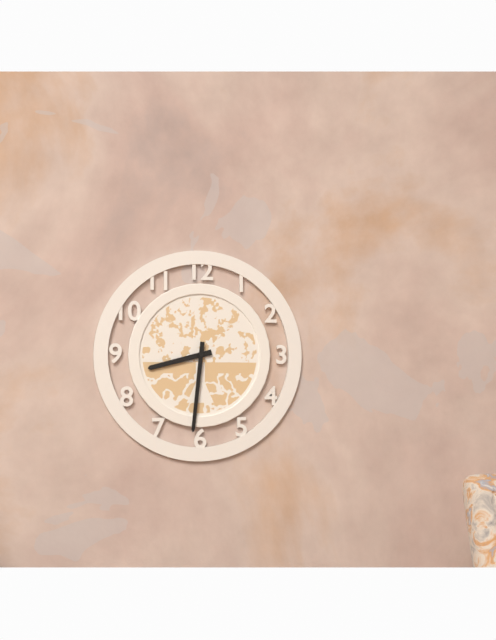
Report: **8:31**
